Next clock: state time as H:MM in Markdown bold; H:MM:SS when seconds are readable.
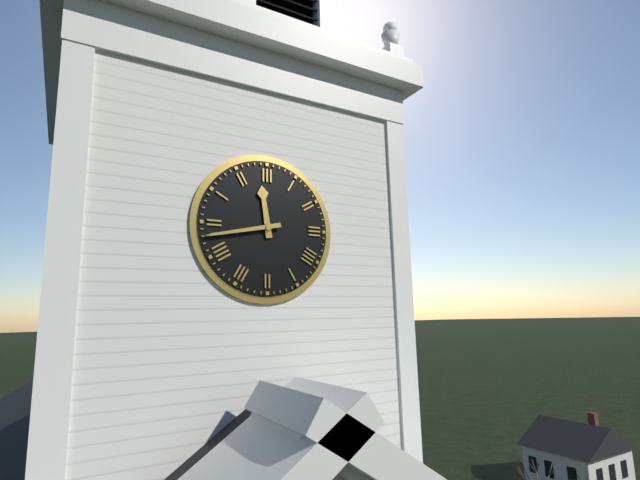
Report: **11:43**
